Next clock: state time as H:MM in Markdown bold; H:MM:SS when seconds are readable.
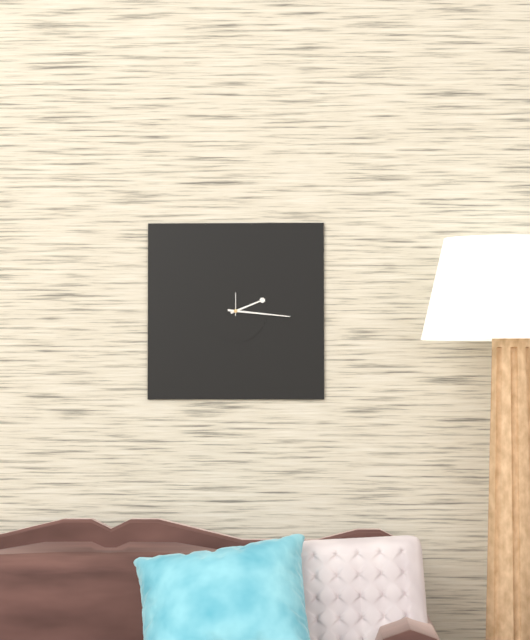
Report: **2:16**
